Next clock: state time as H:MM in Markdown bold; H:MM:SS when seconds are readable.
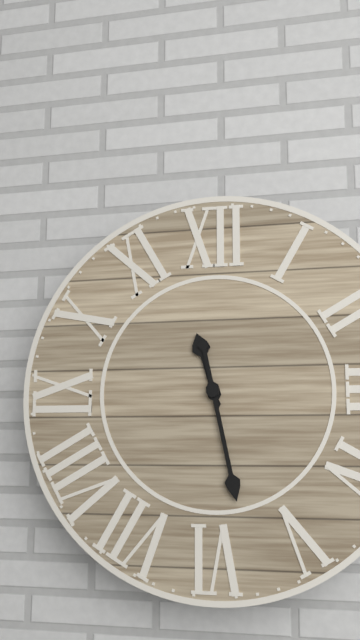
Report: **11:28**
